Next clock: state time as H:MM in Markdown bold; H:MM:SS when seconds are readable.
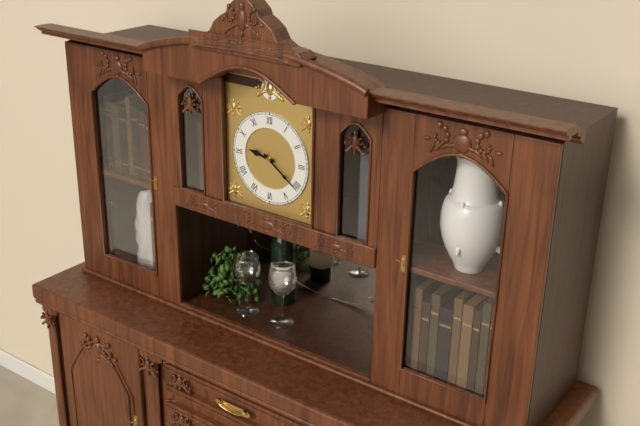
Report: **9:21**
